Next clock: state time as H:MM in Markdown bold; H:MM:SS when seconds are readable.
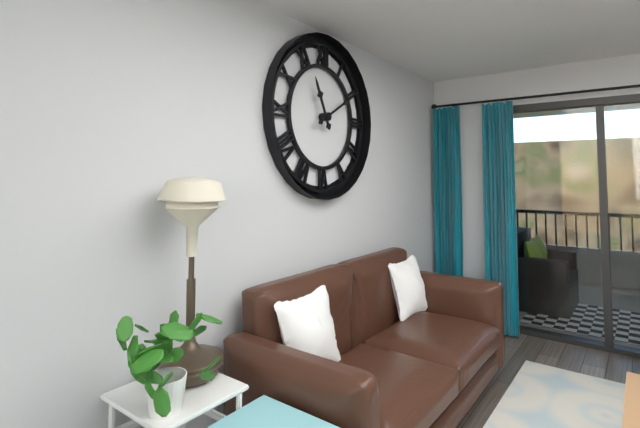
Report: **11:10**
